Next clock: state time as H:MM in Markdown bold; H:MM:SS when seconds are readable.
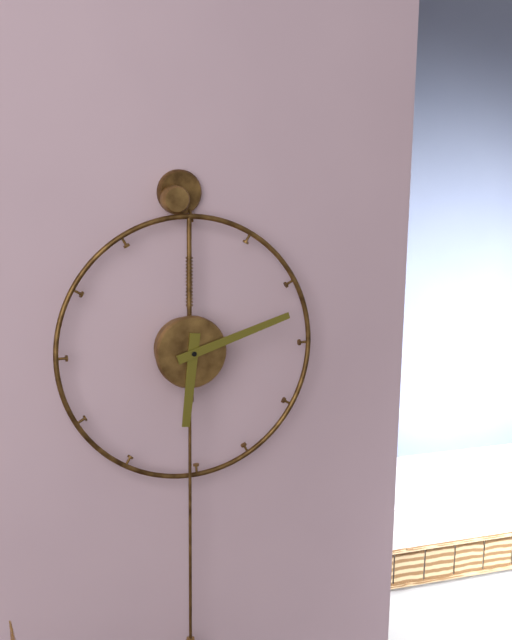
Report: **6:12**
